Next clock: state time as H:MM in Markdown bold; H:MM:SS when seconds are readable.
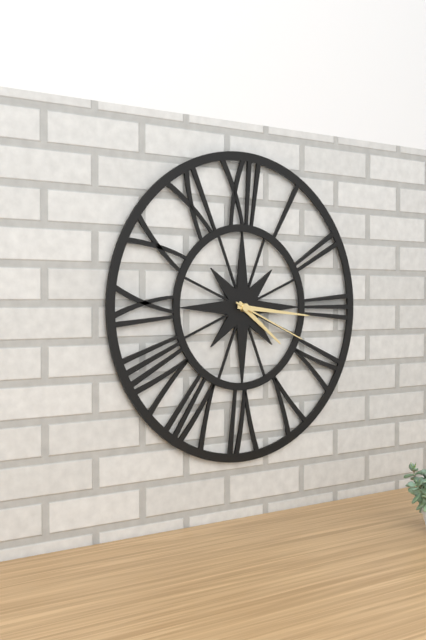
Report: **4:16:19**
